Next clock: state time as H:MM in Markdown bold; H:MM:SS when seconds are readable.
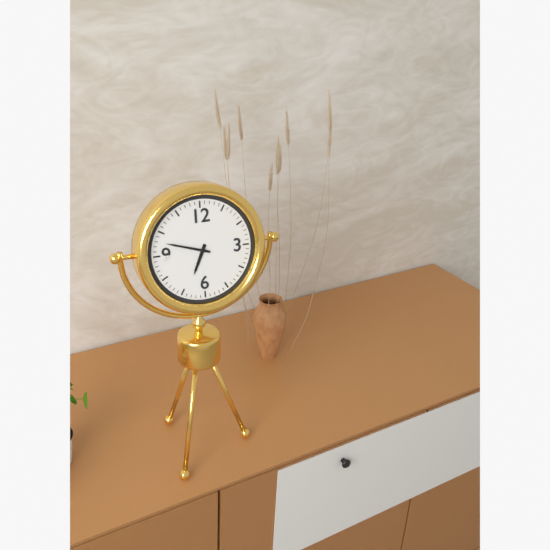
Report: **6:48**
